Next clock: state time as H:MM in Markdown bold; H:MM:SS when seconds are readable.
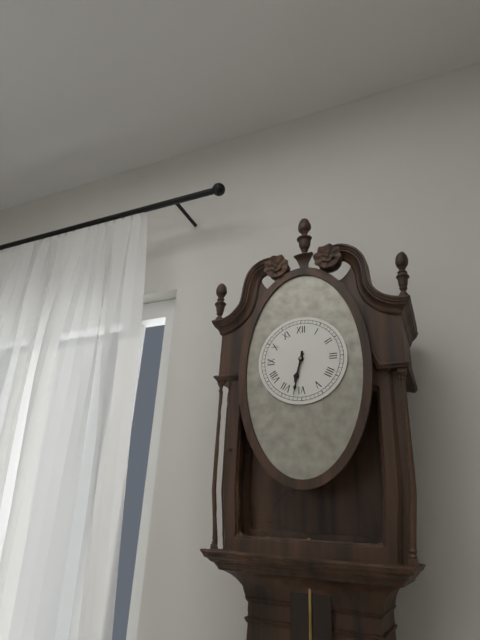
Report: **6:32**
